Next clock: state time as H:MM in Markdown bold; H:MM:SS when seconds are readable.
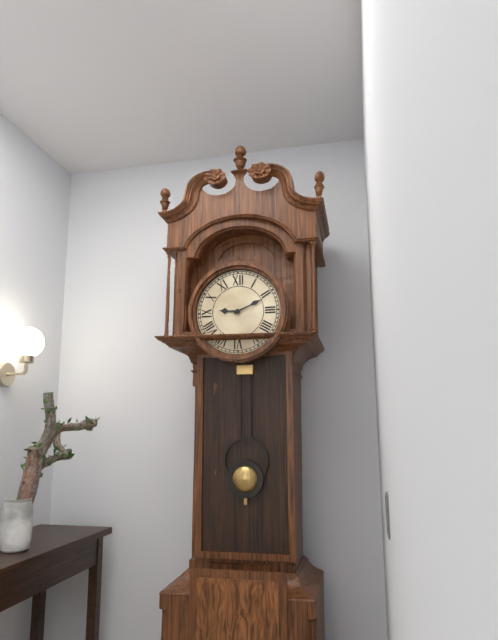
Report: **9:11**
